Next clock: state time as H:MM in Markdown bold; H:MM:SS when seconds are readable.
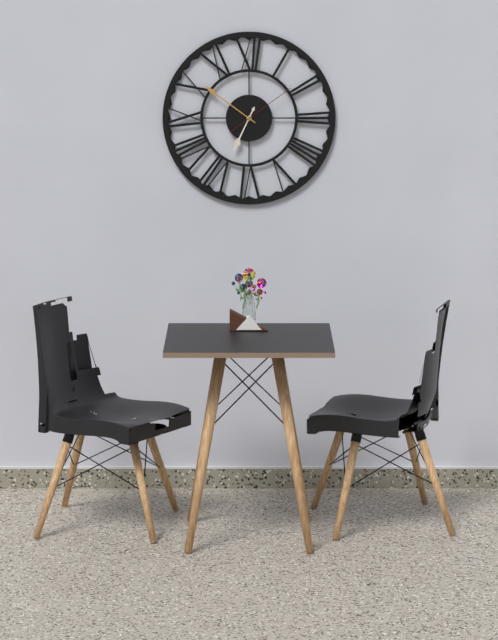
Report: **6:51:09**
